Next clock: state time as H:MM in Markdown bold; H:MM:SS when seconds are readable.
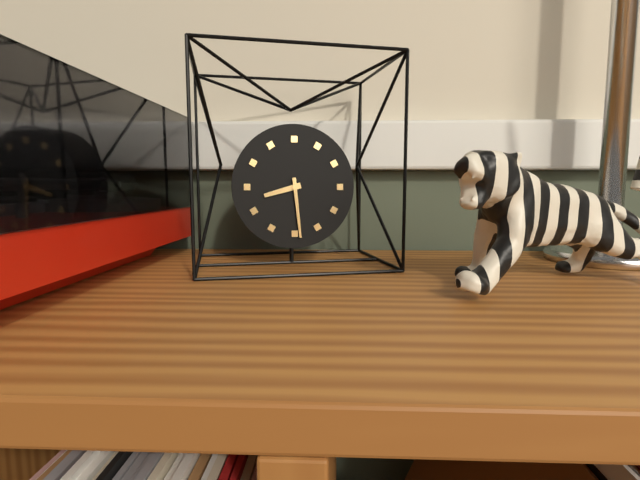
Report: **8:29**
